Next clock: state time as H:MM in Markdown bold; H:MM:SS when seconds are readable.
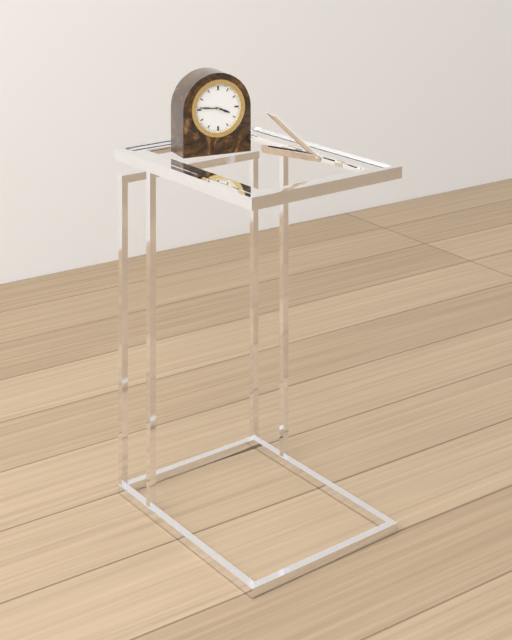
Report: **3:46**
